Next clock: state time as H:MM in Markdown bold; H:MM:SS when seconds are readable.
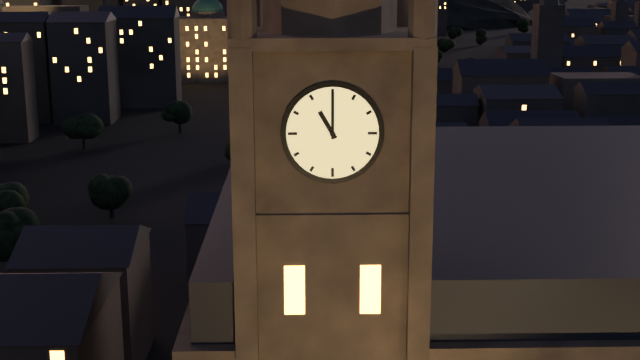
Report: **11:00**
